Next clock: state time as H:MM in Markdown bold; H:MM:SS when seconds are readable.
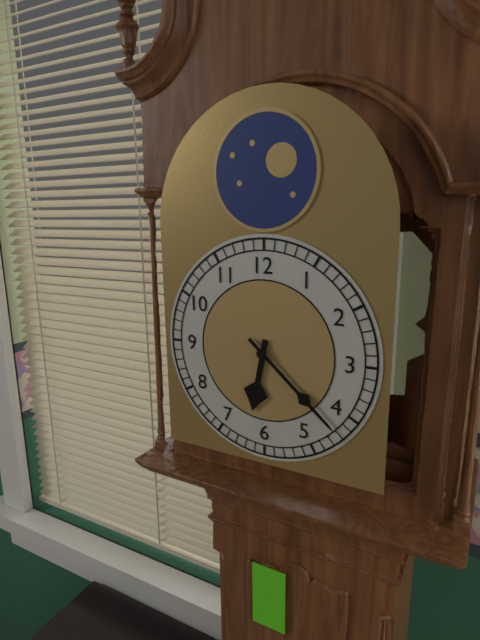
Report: **6:22**
